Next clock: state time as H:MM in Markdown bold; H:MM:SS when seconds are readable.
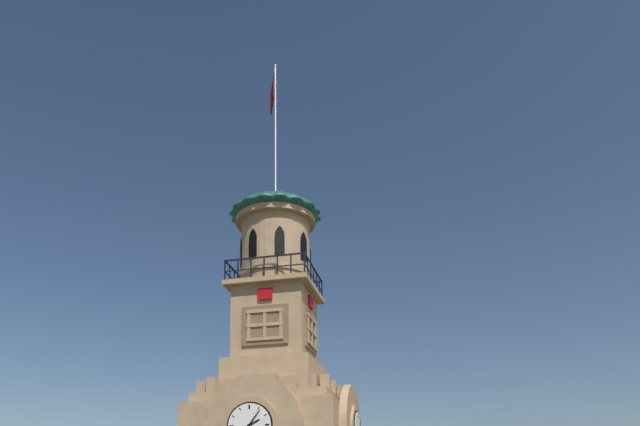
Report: **2:06**
